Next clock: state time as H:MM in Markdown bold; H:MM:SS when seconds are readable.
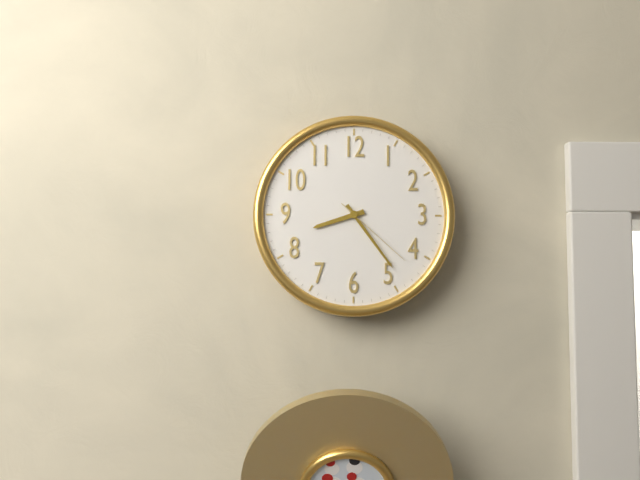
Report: **8:24:22**
